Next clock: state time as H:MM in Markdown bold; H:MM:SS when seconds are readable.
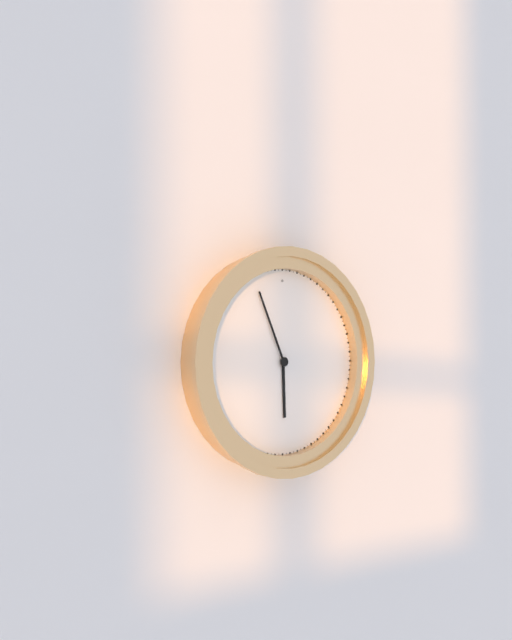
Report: **5:56**
